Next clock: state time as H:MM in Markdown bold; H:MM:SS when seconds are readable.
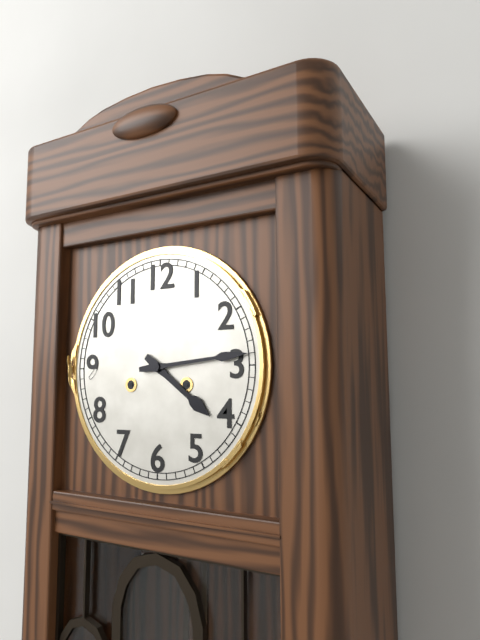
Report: **4:14**
